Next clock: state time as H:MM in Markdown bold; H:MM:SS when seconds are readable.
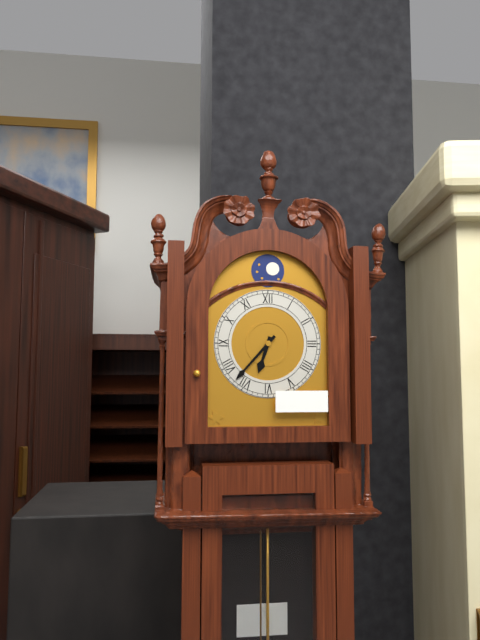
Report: **6:37**
